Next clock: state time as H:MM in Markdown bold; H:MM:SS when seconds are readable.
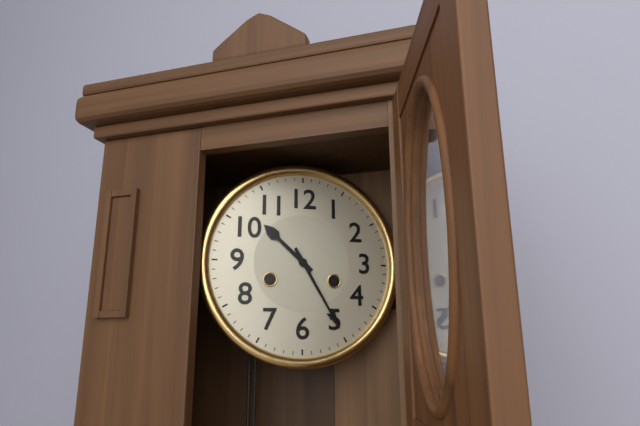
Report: **10:25**
